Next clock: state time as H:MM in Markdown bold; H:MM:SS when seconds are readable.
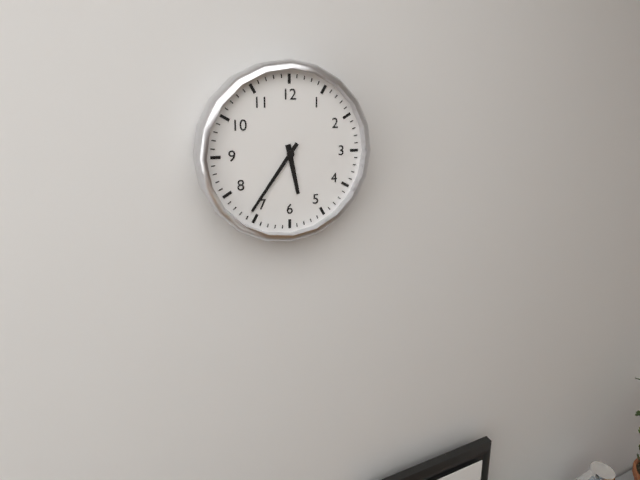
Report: **5:36**
